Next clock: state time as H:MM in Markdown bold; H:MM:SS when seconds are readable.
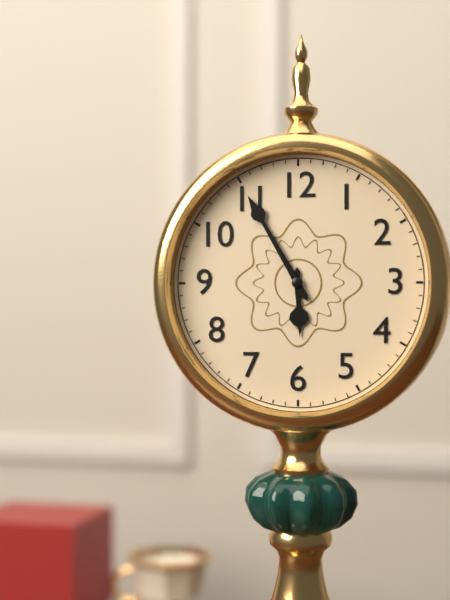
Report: **5:55**
